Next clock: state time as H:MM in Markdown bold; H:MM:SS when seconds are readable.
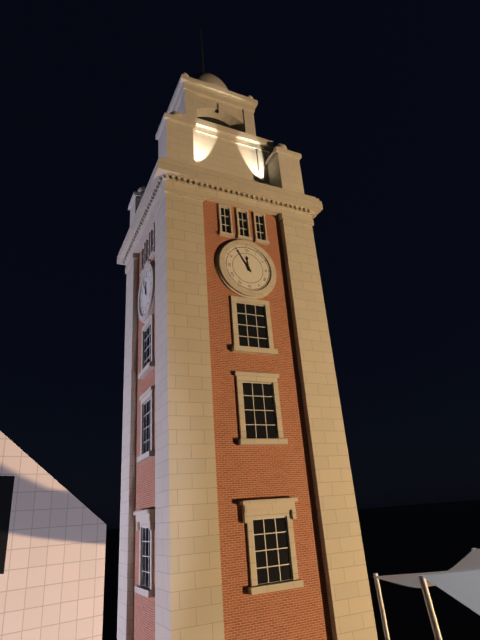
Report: **11:55**
